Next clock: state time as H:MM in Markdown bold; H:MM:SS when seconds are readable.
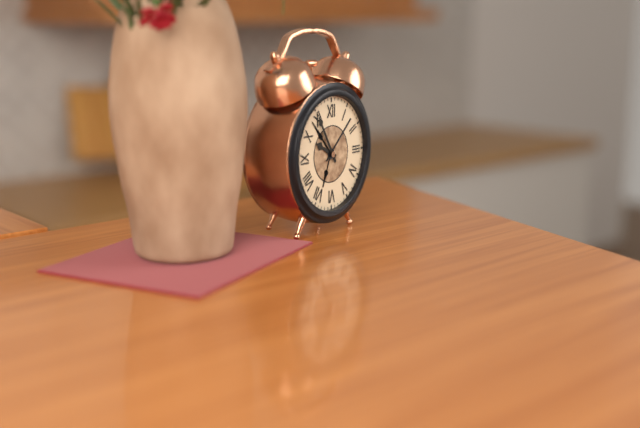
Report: **9:55**
